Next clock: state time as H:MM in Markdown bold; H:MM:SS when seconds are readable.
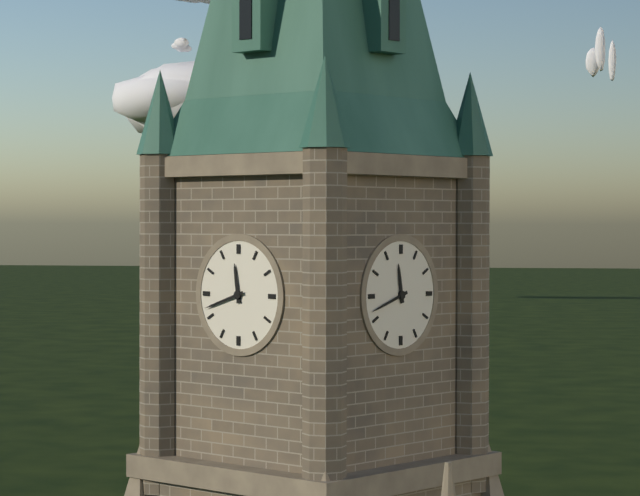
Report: **11:42**
